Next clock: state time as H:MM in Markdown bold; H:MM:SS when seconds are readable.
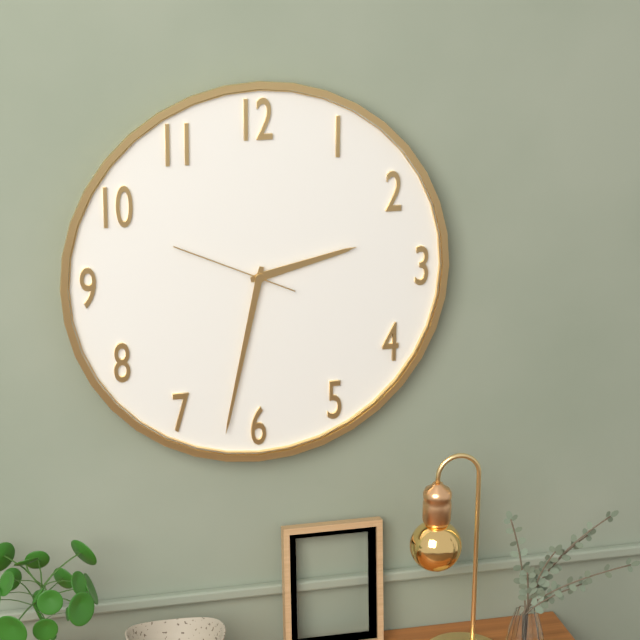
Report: **2:32:49**
